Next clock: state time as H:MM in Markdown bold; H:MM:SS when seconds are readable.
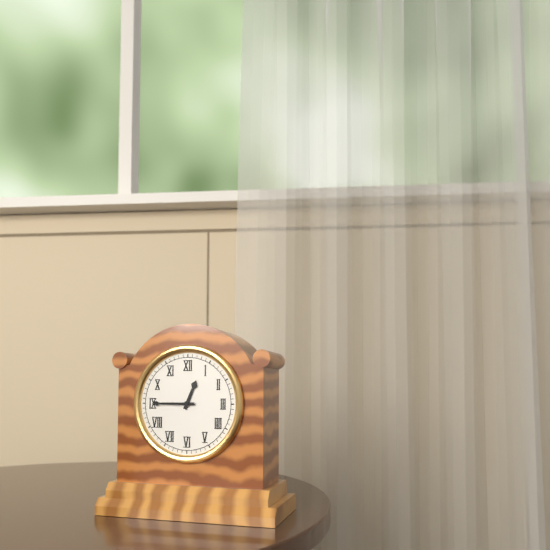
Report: **12:45**
